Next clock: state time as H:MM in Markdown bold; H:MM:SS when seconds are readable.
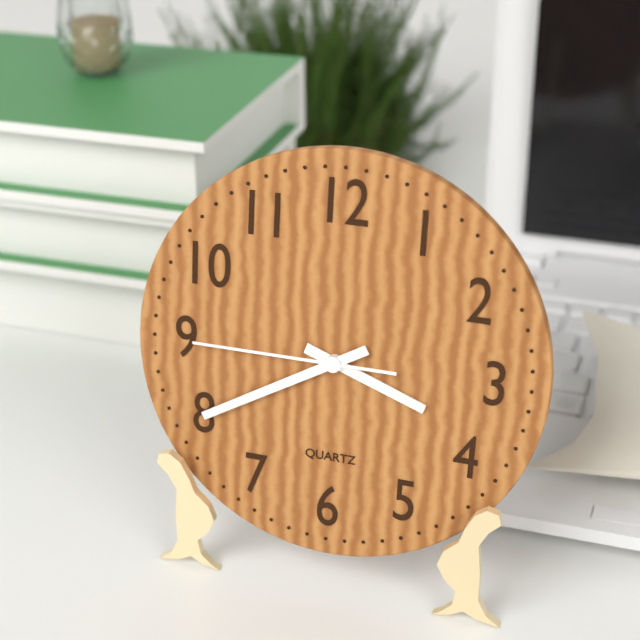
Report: **3:40:45**
